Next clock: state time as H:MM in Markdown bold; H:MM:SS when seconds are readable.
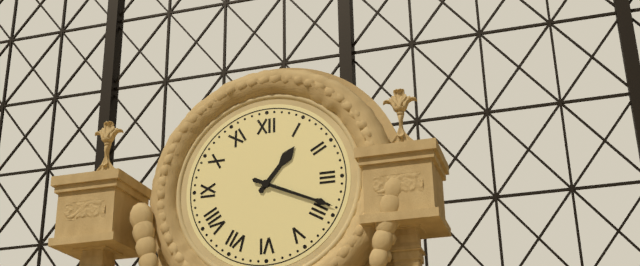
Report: **1:19**
